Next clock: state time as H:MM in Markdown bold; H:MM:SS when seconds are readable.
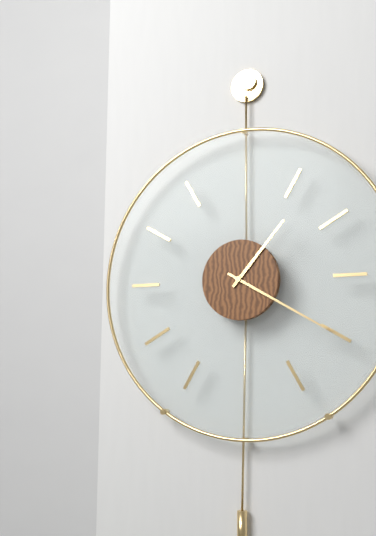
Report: **1:20**
